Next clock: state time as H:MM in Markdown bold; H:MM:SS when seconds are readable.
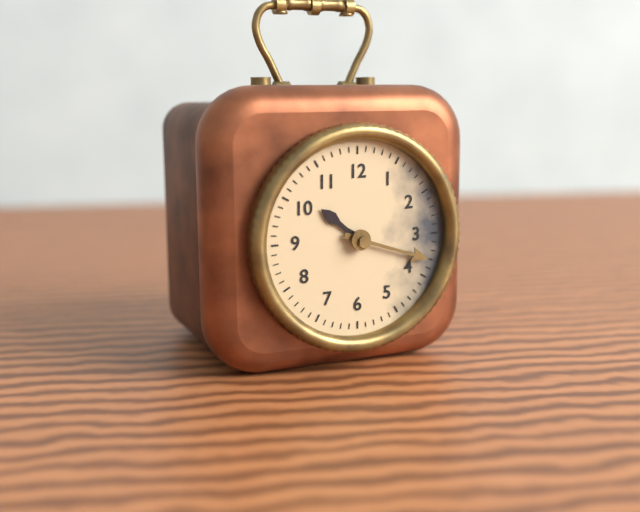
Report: **10:18**
